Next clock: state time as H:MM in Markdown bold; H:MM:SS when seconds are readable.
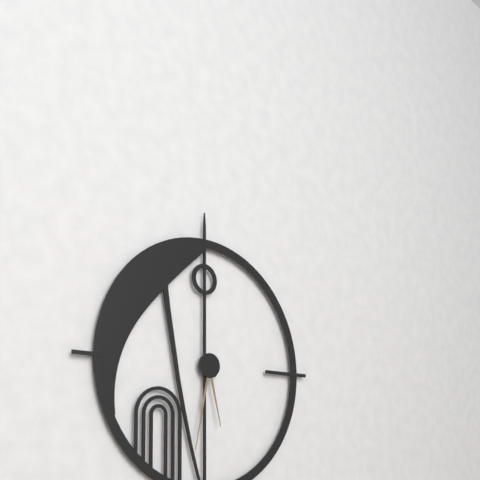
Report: **5:32**
